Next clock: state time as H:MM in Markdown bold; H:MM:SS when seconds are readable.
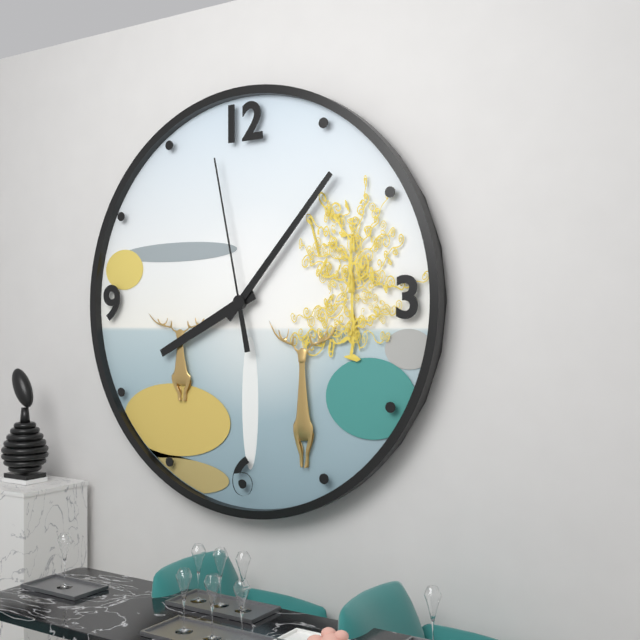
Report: **8:07:58**
